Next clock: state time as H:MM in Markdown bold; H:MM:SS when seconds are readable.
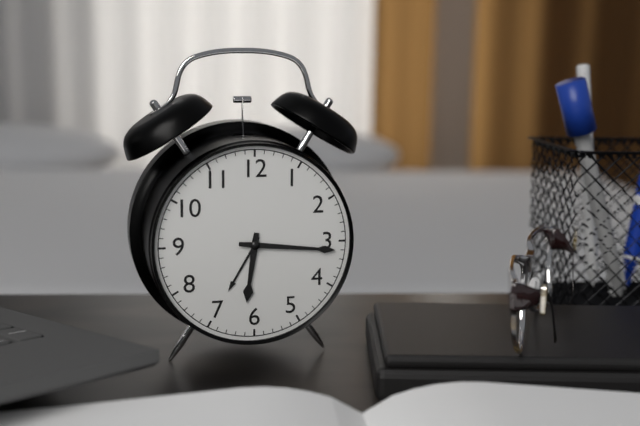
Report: **6:16**
